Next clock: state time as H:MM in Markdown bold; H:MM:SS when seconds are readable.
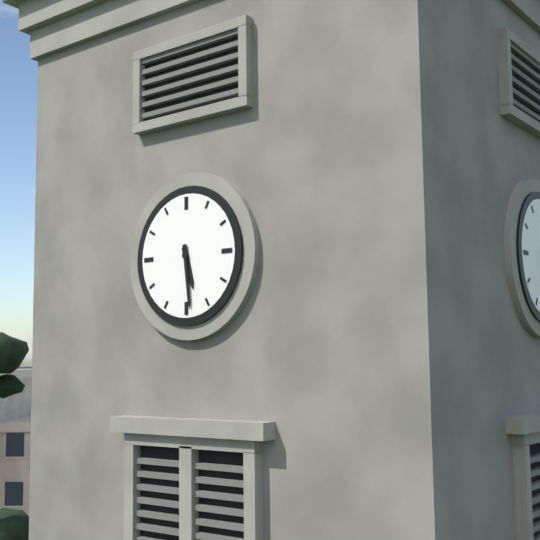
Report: **5:29**
